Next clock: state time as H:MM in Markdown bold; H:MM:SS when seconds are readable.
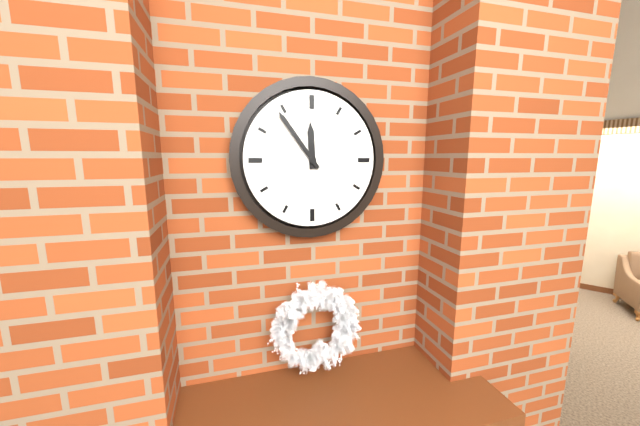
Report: **11:54**
